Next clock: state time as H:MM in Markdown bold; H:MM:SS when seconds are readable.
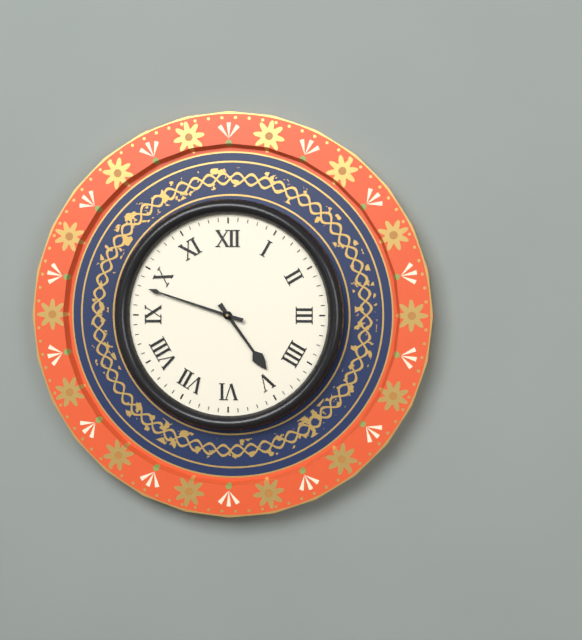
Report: **4:48**
